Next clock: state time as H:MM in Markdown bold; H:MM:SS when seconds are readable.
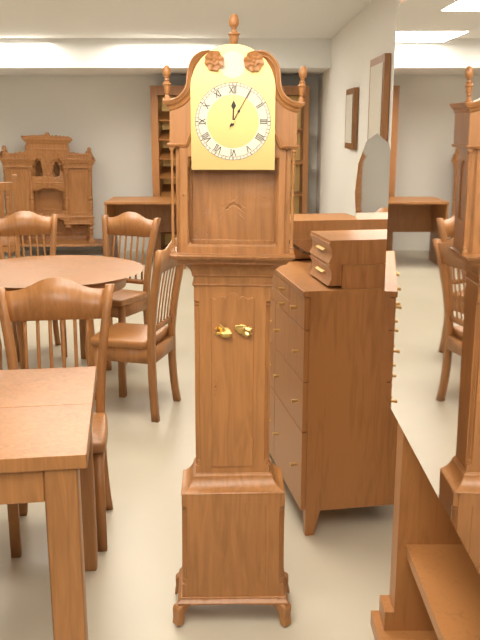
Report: **12:05**
